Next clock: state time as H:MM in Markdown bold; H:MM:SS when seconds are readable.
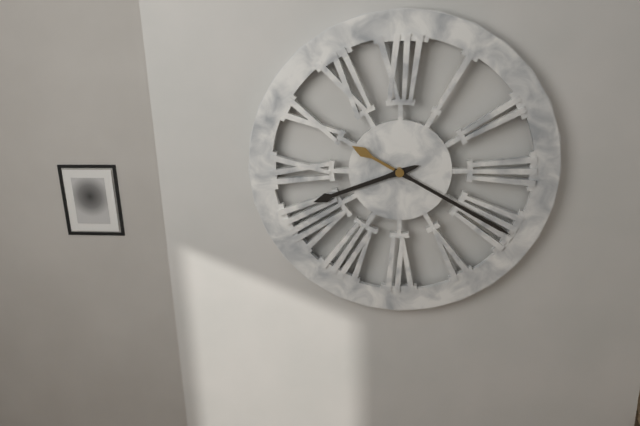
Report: **8:20**
